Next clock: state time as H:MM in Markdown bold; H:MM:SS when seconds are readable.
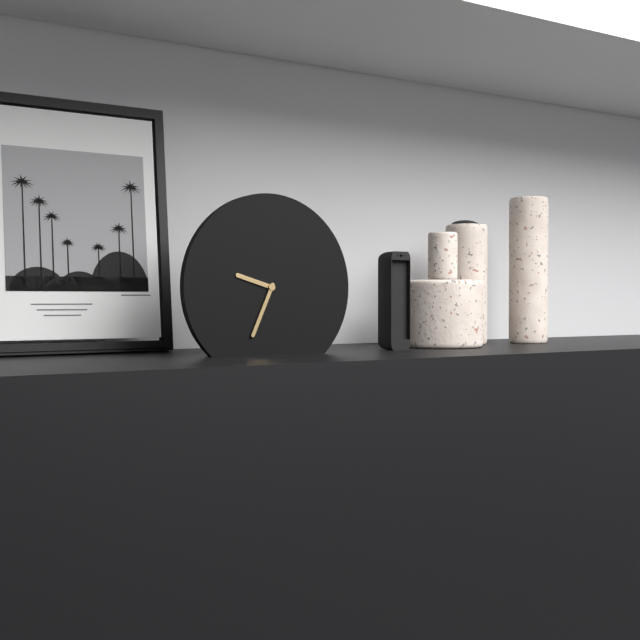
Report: **9:34**
